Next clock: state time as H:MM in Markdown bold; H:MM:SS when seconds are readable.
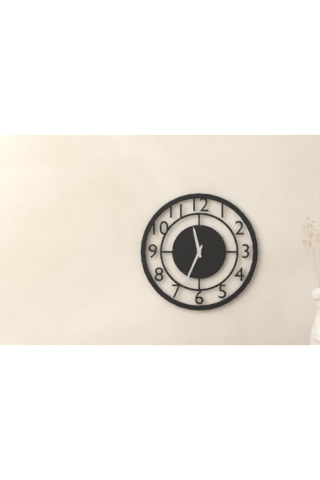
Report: **11:34**
